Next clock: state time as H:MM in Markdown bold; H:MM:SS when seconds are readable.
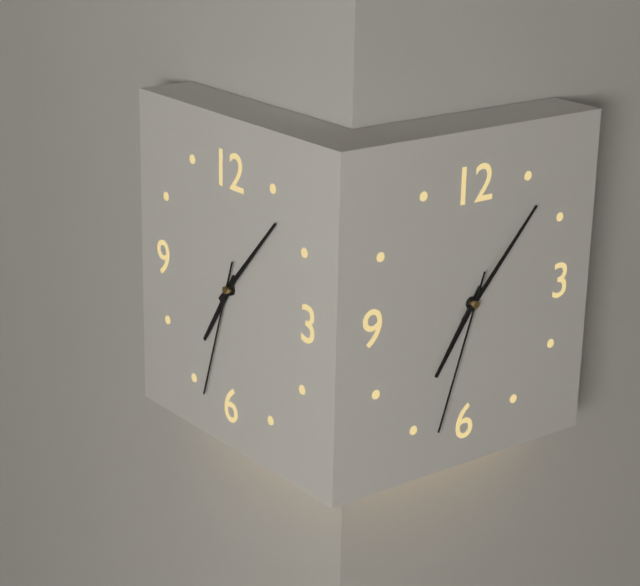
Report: **7:07:33**
